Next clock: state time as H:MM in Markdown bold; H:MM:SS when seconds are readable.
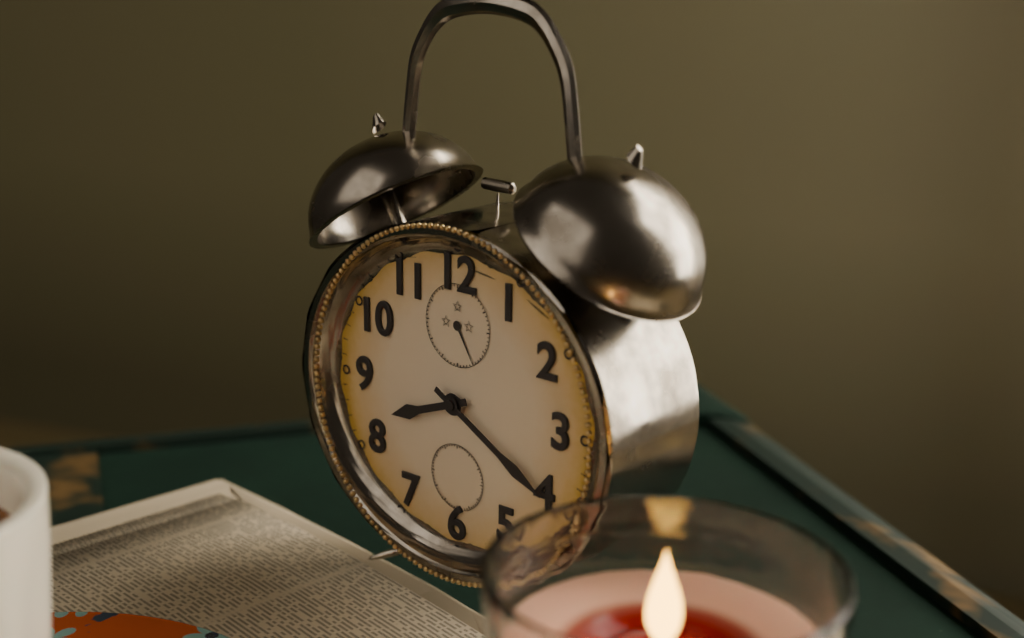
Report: **8:20**
